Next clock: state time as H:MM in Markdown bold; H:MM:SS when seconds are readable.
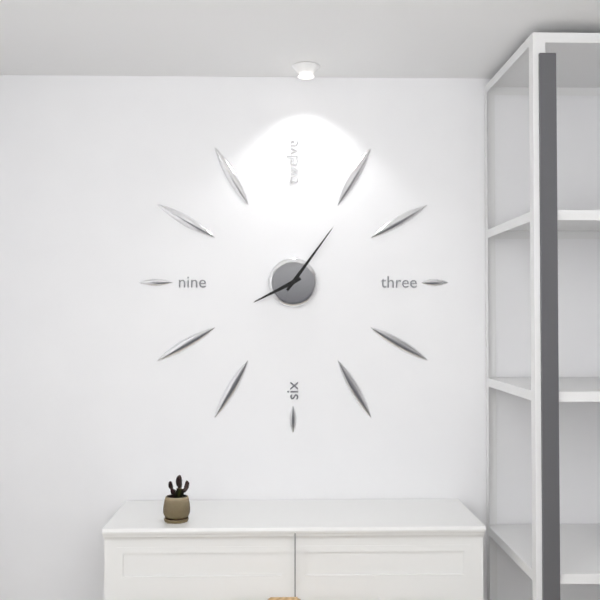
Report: **8:06**
